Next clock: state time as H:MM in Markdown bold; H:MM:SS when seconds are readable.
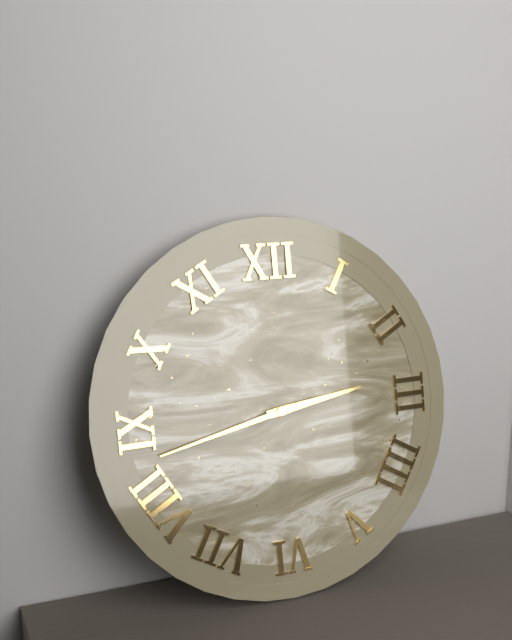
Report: **2:43**
